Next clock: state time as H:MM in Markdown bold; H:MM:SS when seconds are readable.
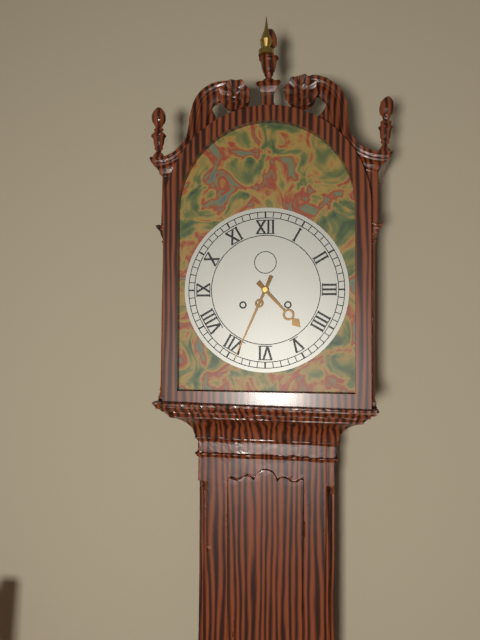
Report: **4:34**
